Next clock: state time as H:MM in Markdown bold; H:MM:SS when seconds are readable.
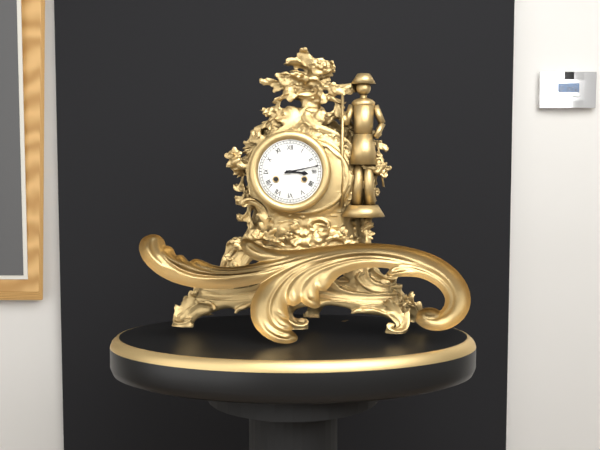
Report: **3:13**
